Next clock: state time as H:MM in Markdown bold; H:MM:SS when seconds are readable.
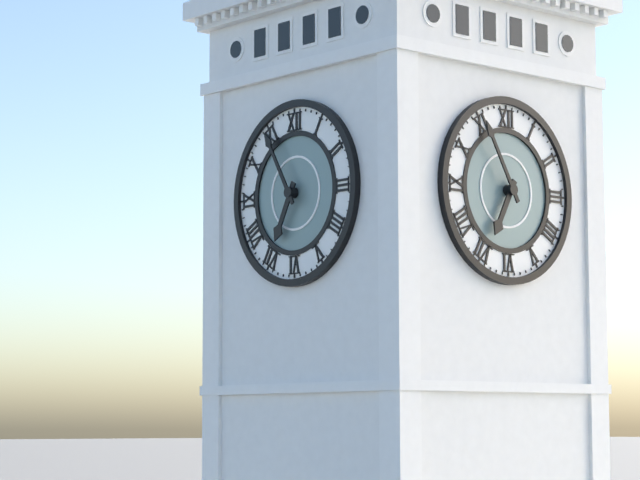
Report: **6:55**
